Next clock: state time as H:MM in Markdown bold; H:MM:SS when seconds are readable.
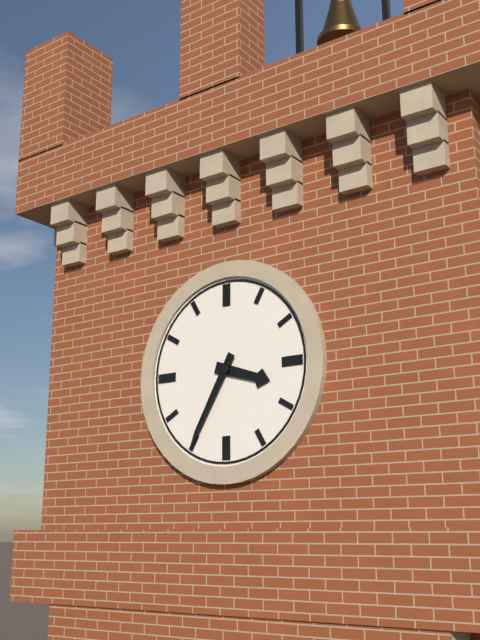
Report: **3:35**
